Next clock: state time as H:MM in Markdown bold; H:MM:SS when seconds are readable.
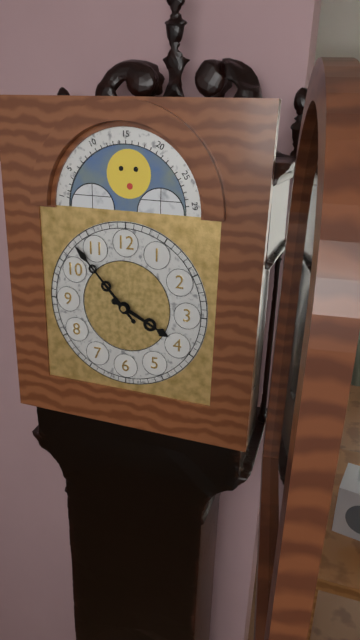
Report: **3:53**
